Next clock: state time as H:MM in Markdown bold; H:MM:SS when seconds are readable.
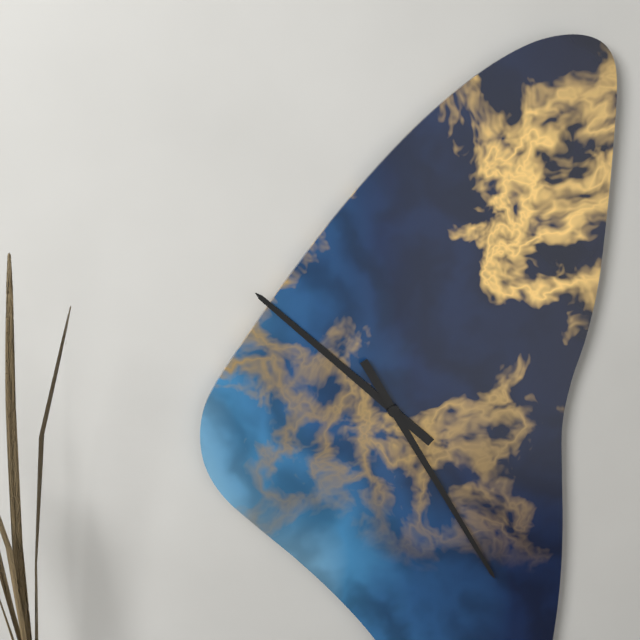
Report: **10:25**
